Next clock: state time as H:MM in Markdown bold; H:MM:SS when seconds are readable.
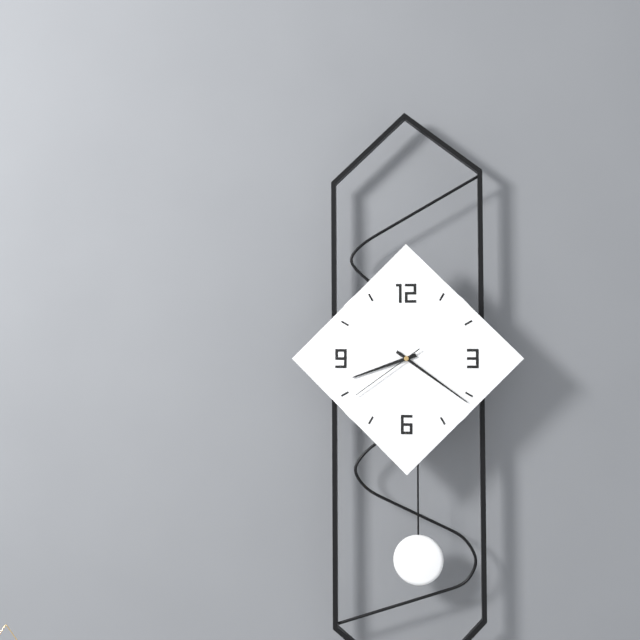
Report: **8:21:39**
